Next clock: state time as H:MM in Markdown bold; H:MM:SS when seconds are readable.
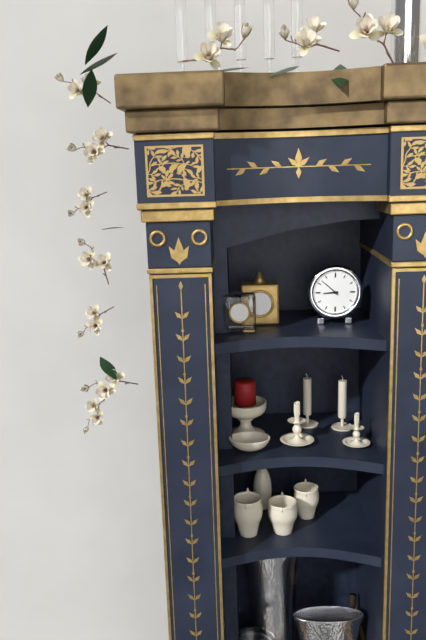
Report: **8:52**
